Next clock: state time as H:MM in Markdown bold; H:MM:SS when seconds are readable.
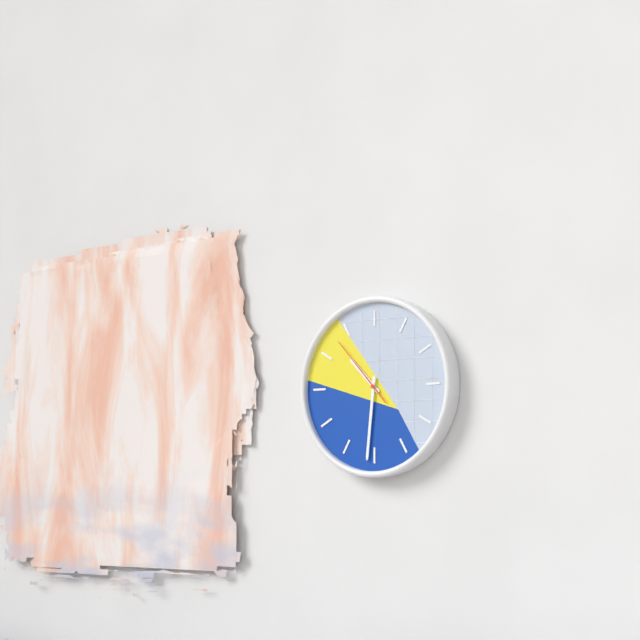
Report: **10:31:53**
